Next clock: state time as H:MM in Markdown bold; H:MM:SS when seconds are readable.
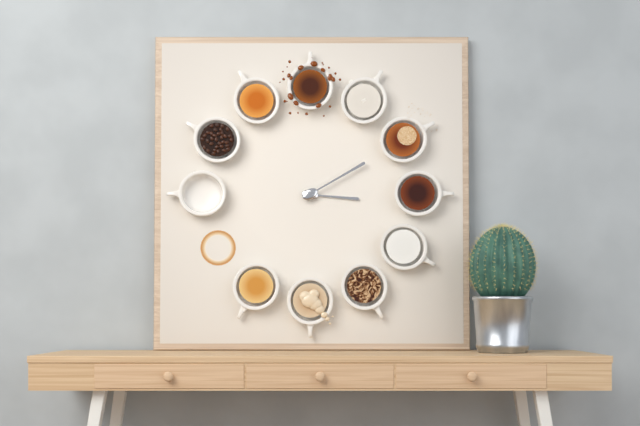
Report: **3:10**
